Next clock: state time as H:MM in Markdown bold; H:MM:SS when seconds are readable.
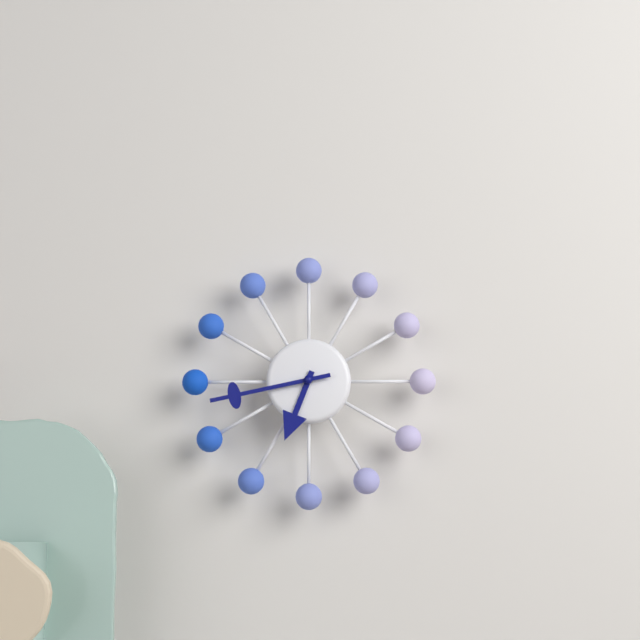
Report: **6:43**
